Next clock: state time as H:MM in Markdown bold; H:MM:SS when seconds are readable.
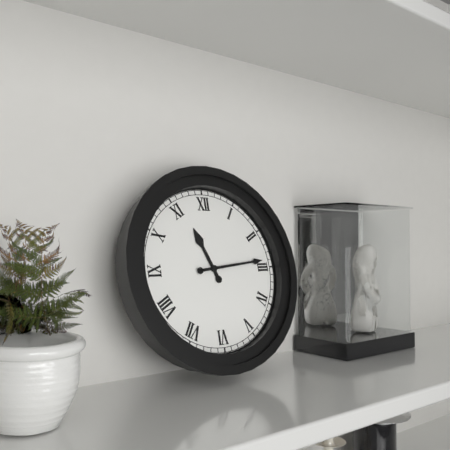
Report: **11:14**
